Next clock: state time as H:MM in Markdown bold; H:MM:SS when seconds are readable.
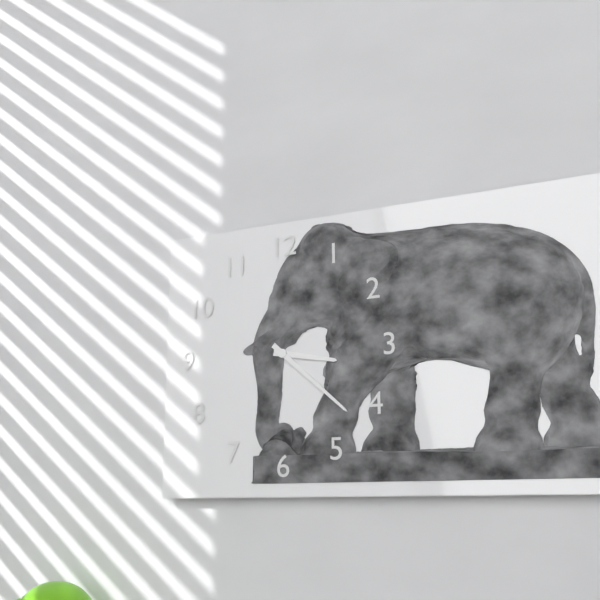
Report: **3:22**
